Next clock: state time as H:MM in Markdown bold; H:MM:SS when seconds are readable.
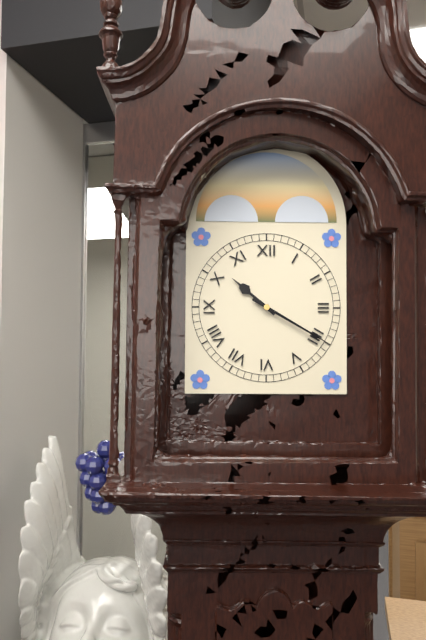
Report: **10:20**
